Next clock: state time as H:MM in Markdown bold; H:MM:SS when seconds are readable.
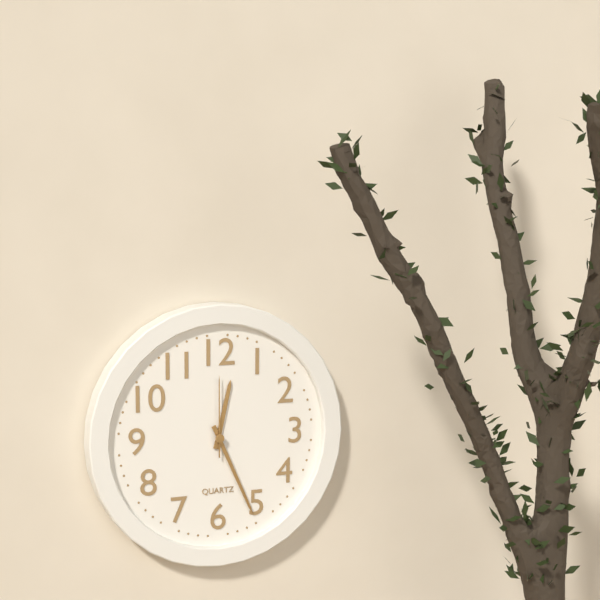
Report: **12:26:00**
